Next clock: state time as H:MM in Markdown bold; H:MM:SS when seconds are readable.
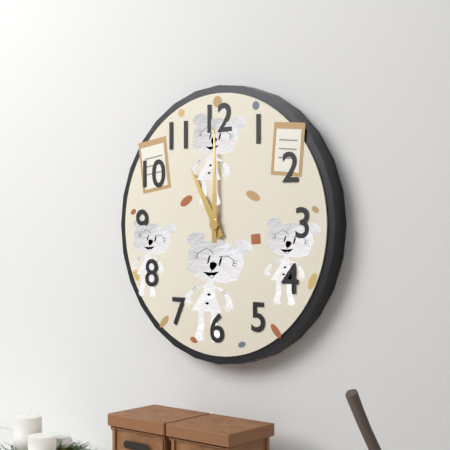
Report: **11:00**
